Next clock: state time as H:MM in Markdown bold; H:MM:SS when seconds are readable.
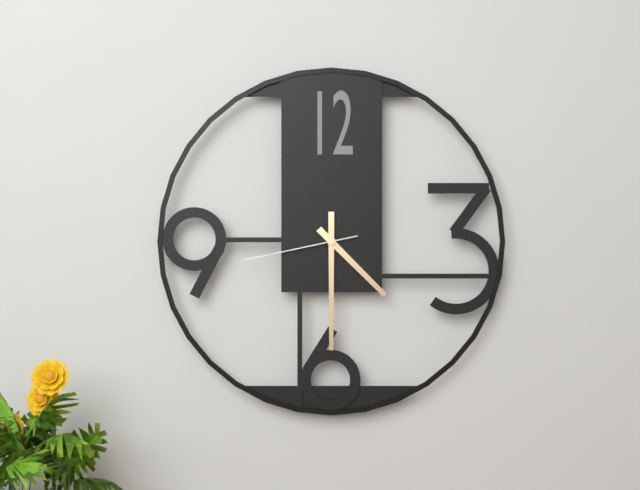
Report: **4:30:43**
